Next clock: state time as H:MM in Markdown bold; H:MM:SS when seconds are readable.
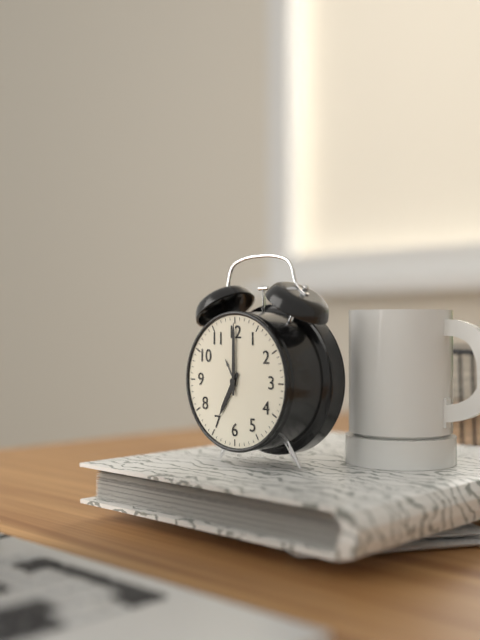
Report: **7:00**
